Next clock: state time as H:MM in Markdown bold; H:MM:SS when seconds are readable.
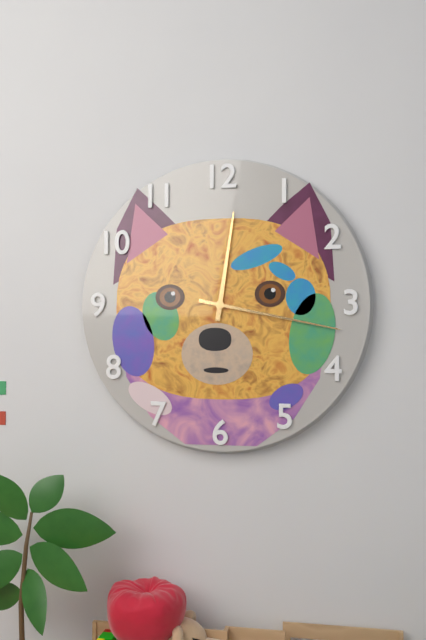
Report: **12:17**
